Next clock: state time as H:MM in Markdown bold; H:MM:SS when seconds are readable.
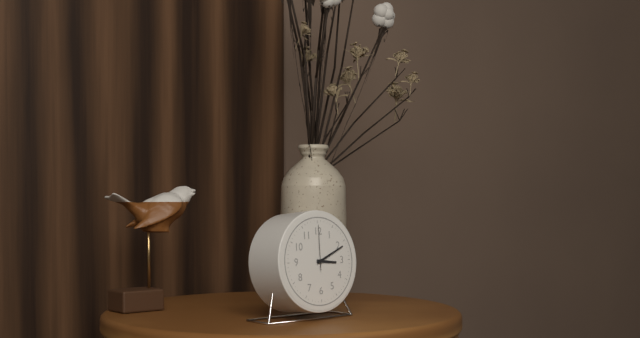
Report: **3:11**
